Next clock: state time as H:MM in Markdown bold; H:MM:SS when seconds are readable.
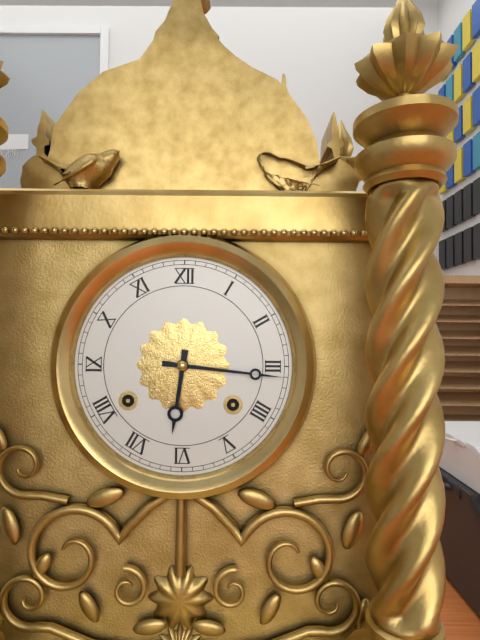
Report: **6:16**
